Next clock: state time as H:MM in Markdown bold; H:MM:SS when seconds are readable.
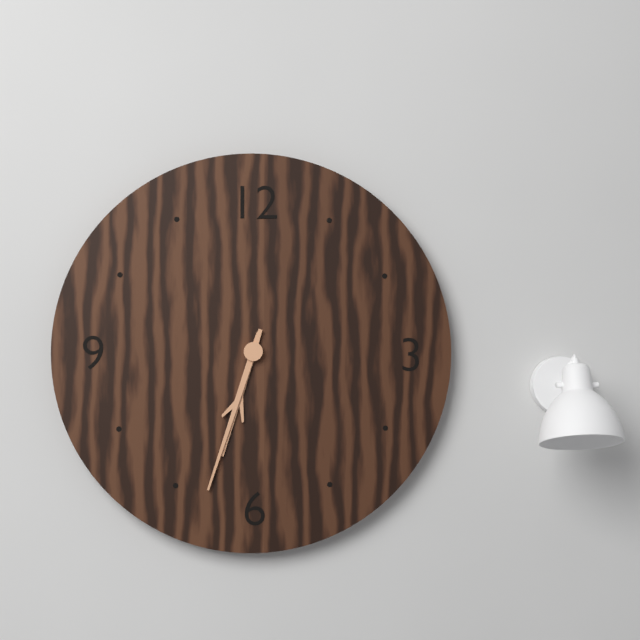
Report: **6:33**
